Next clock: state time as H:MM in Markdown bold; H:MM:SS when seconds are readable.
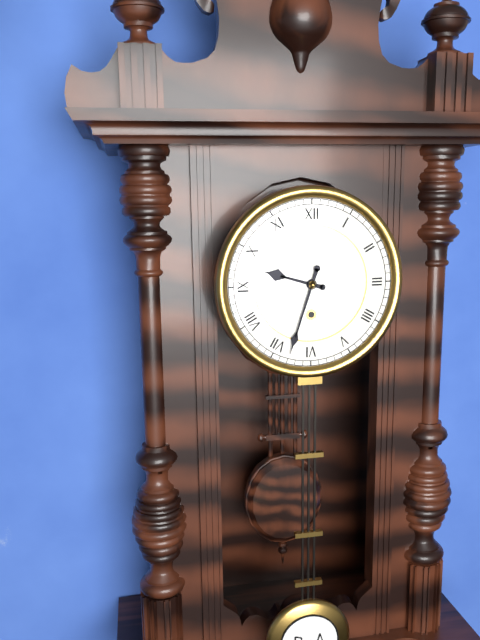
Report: **9:33**
